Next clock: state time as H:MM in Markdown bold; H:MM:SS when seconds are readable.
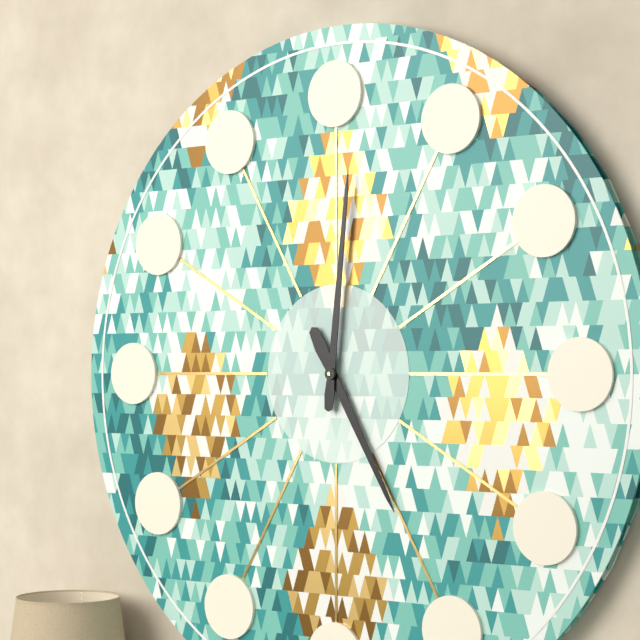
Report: **5:01**
